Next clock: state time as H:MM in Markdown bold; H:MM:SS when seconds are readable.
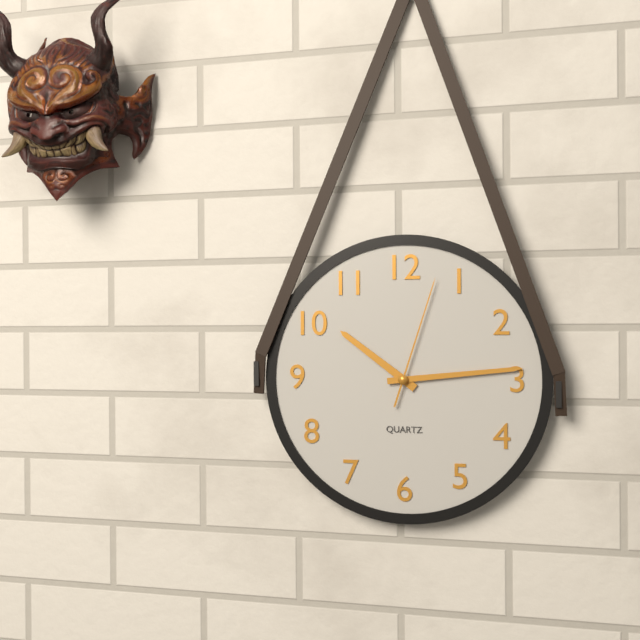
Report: **10:14:03**
